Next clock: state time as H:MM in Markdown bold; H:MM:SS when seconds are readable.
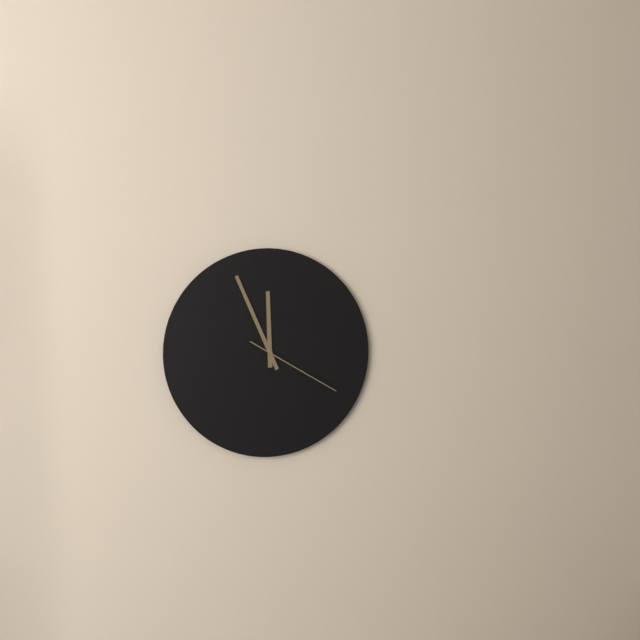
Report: **11:56:20**
